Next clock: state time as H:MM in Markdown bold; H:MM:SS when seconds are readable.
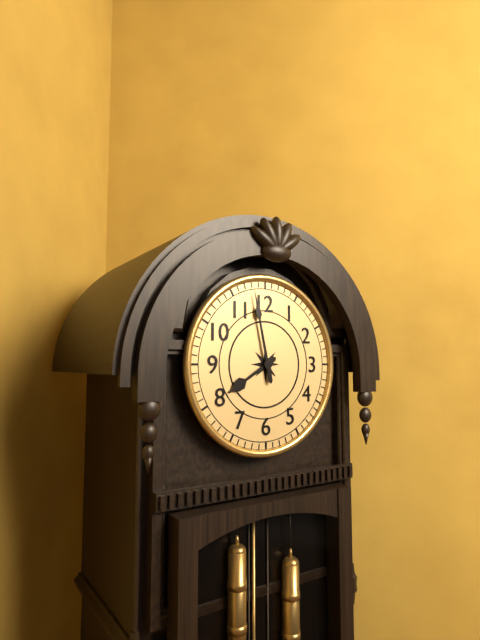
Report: **7:58**
